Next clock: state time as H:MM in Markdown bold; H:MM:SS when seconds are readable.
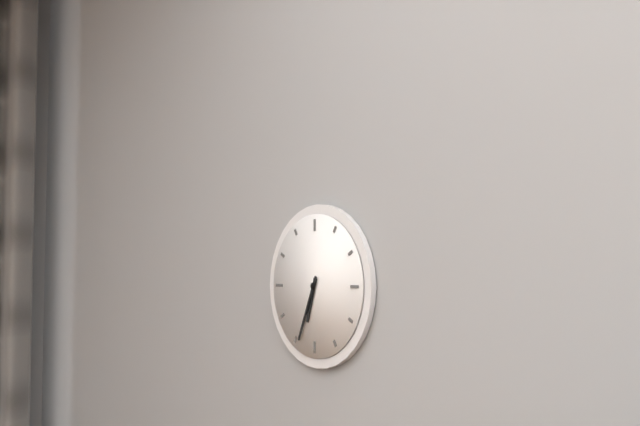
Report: **6:34**
